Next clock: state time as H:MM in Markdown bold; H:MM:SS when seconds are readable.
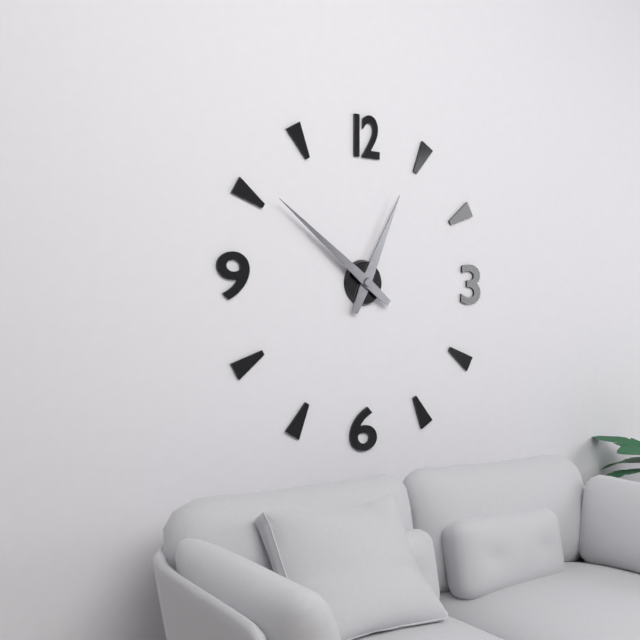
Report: **12:51**
